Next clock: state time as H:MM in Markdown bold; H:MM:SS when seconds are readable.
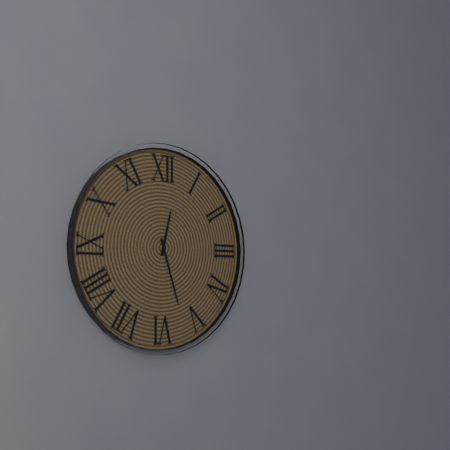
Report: **12:27**
